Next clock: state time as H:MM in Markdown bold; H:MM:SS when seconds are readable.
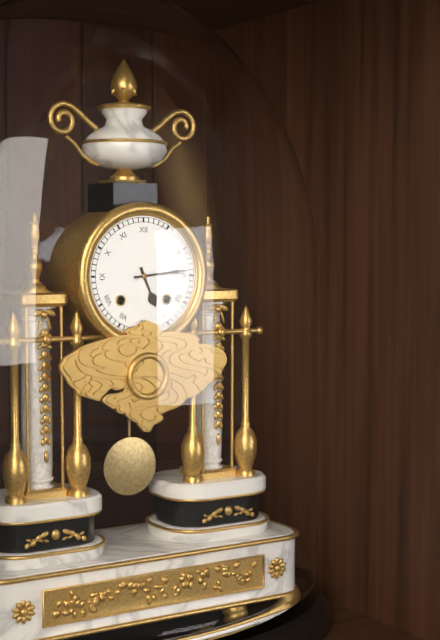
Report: **5:14**
